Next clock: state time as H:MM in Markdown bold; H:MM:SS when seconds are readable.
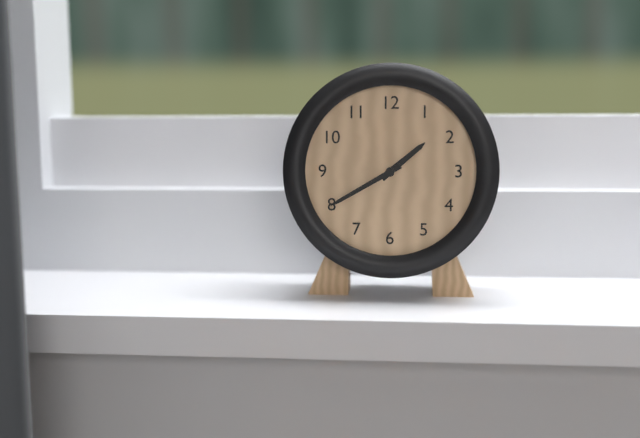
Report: **1:40**
